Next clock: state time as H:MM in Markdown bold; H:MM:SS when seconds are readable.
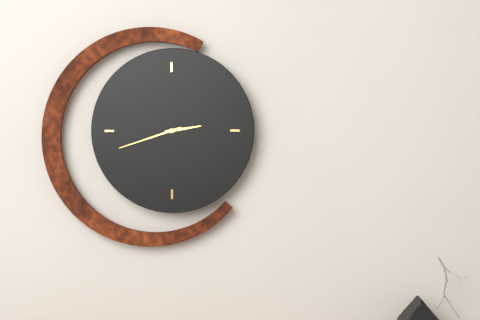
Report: **2:42**
